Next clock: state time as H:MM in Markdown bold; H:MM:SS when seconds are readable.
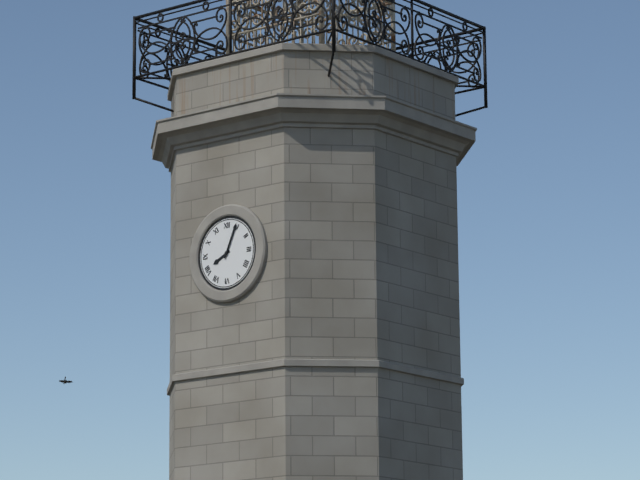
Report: **8:04**
